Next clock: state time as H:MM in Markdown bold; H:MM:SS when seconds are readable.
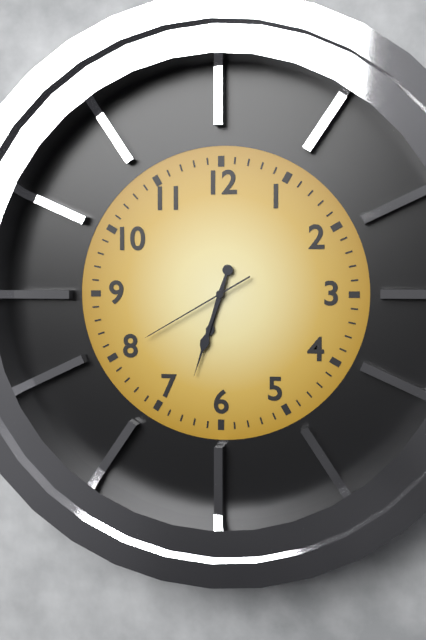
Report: **6:33:40**
